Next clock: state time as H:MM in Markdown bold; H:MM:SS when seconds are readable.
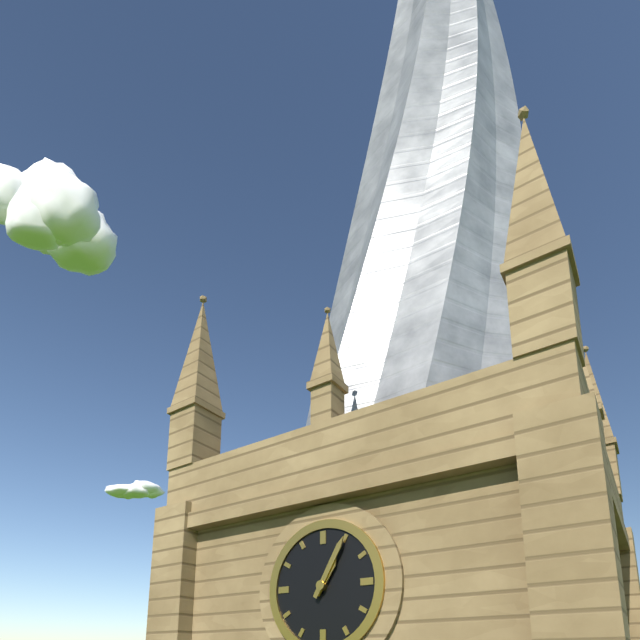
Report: **1:05**
